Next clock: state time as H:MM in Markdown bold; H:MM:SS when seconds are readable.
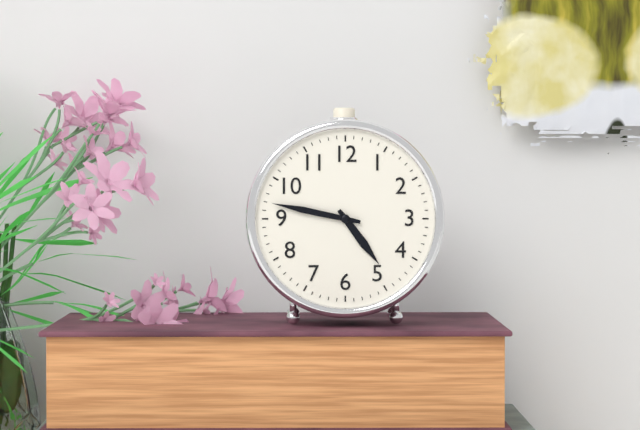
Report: **4:47**
